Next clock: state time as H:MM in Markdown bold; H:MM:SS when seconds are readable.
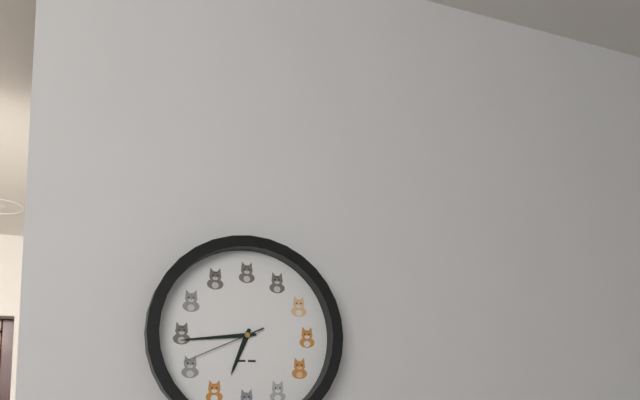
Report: **6:44:41**
